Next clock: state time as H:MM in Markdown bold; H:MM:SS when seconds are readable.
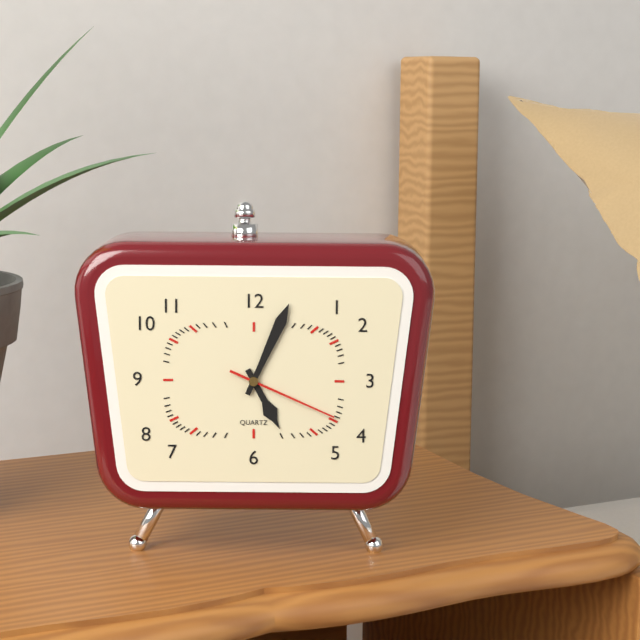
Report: **5:04:19**
